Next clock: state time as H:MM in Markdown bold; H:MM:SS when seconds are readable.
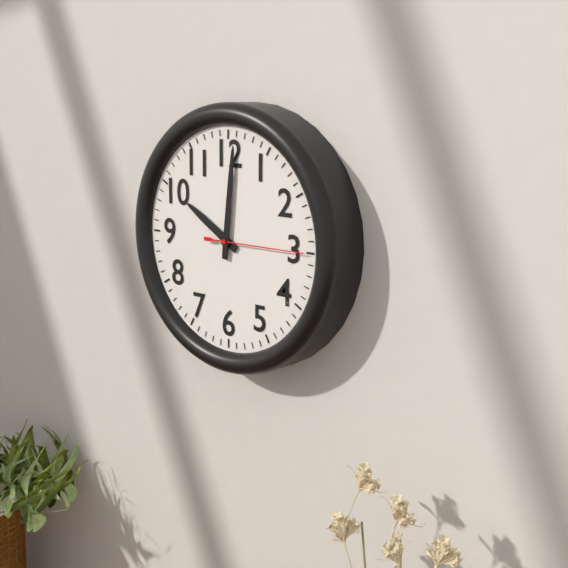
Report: **10:01:15**
